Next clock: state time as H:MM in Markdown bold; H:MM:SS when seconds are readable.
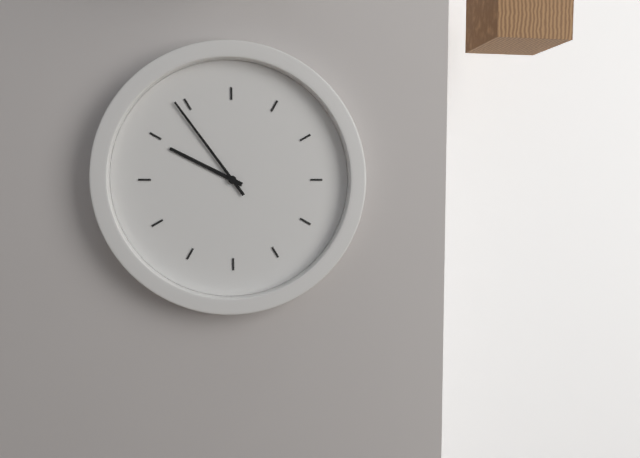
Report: **9:54**
